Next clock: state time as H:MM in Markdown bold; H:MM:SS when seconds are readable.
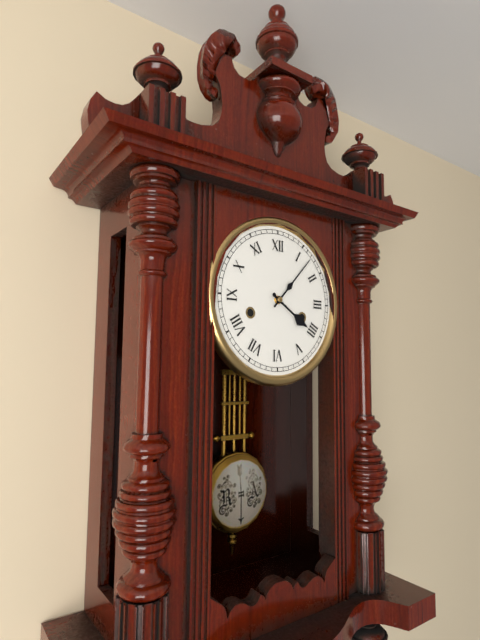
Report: **4:07**
